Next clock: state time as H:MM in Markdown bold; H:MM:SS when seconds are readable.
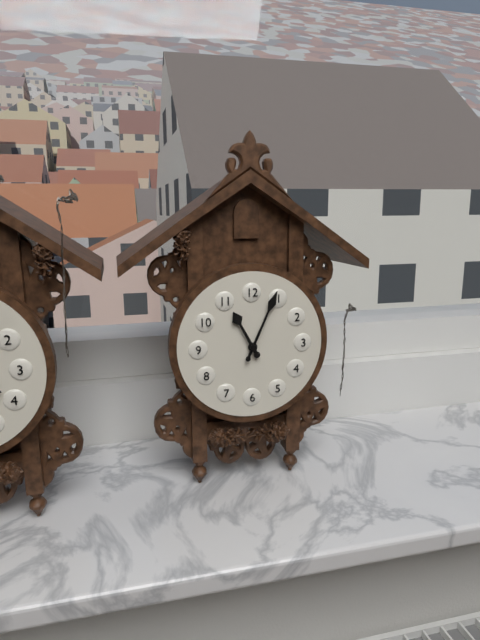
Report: **11:04**
